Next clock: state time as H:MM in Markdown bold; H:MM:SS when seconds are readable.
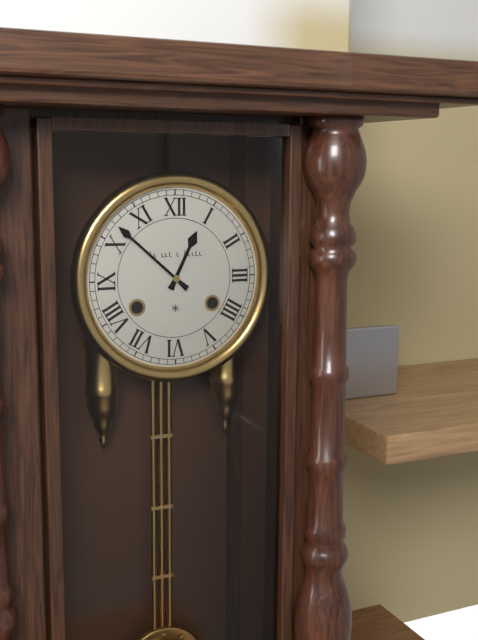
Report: **12:52**
